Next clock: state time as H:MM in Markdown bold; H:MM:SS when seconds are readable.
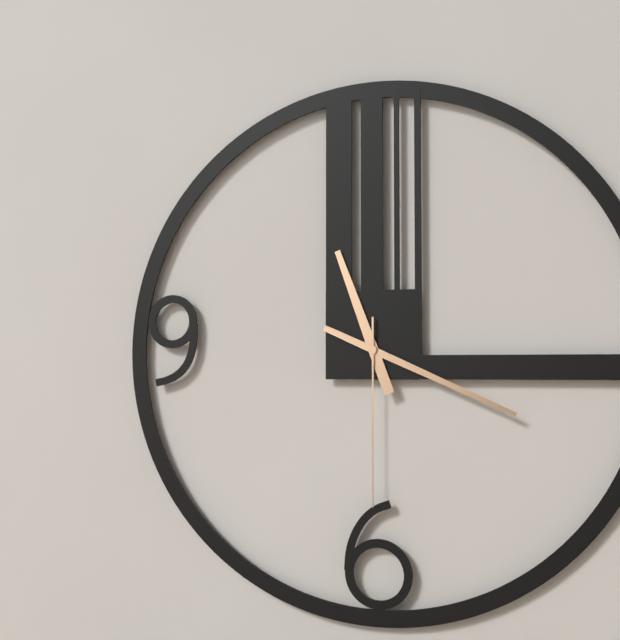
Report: **11:19:30**
